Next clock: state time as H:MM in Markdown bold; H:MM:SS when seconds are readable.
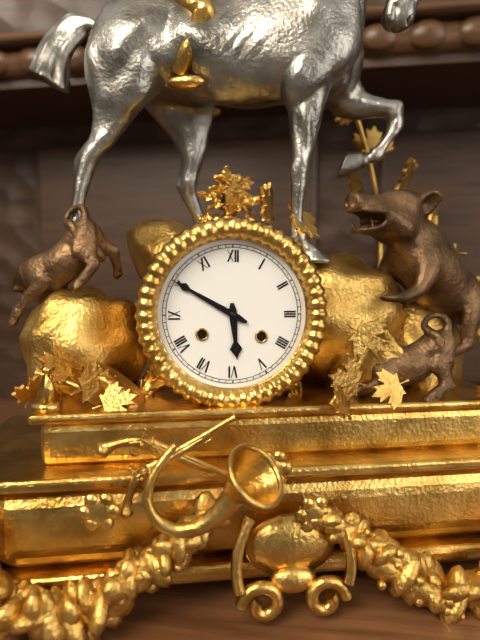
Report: **5:50**
